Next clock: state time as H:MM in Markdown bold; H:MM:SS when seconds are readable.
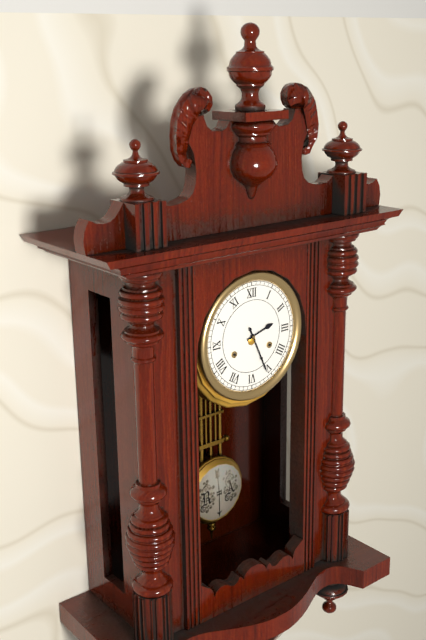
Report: **2:26**
